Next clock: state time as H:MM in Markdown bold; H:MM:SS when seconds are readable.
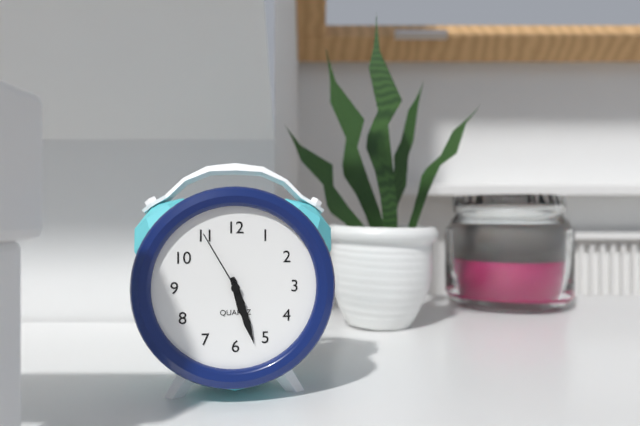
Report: **5:27:55**
